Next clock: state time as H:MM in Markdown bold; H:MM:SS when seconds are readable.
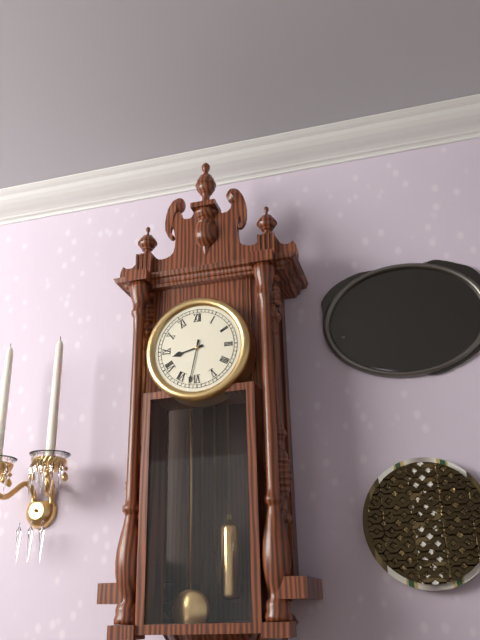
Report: **8:32**
